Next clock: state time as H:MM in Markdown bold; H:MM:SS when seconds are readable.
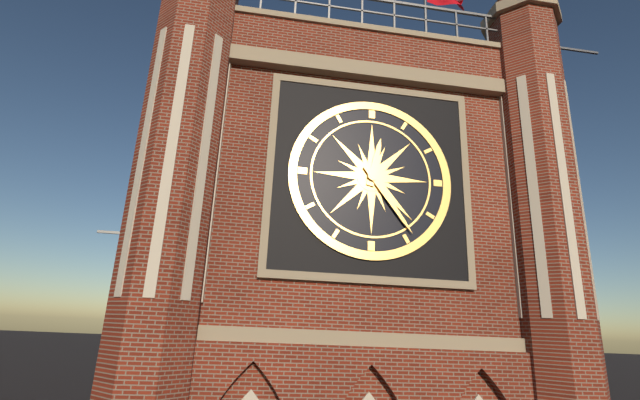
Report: **12:24**
